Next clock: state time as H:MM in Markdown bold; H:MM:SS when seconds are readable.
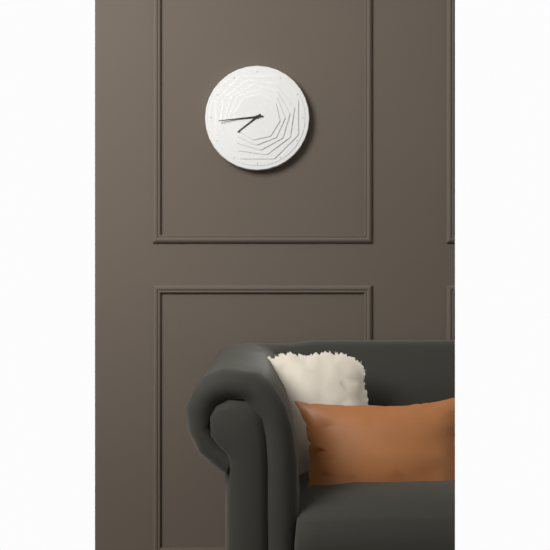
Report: **7:44**
